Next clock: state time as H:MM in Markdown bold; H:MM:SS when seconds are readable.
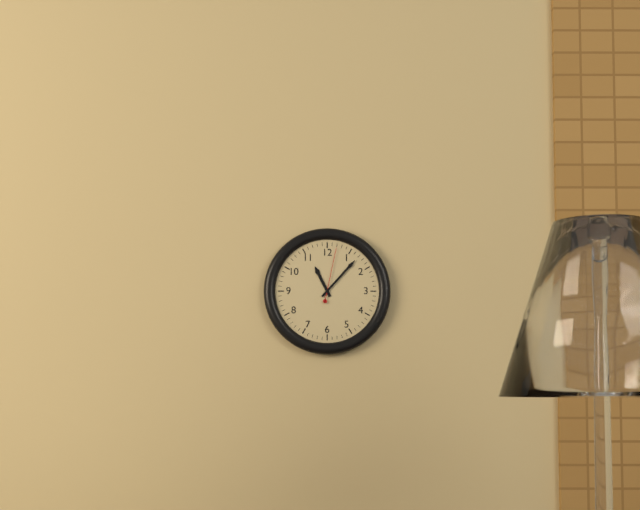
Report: **11:07:02**
